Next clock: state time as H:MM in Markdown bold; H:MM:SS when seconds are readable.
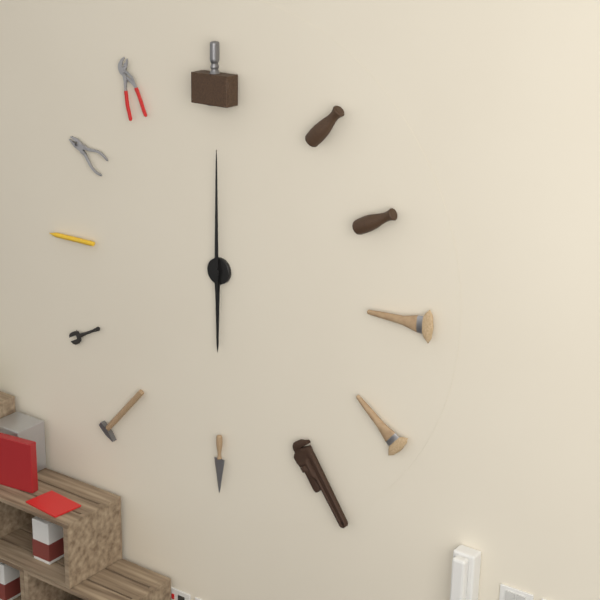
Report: **6:00**
